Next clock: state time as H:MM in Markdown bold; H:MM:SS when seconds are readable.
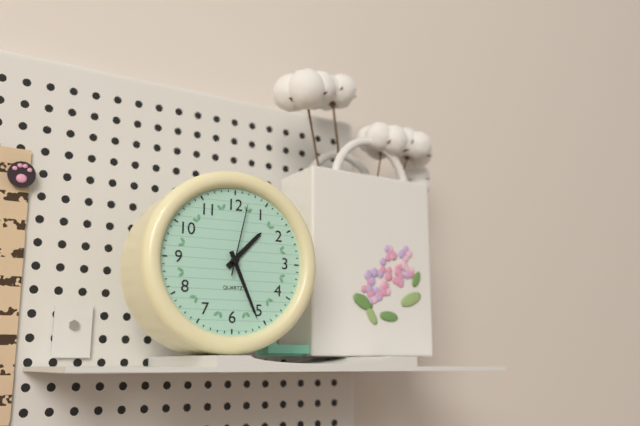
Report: **1:26:02**
